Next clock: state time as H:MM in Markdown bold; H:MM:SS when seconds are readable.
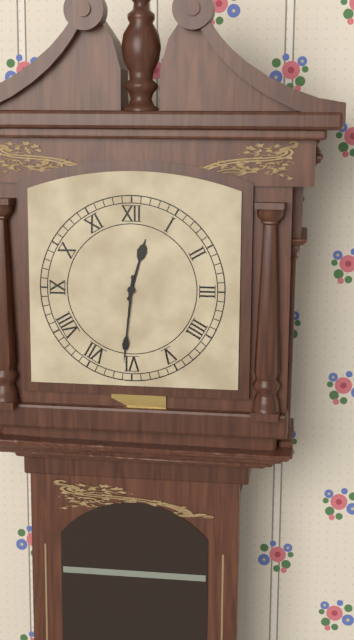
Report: **12:31**
